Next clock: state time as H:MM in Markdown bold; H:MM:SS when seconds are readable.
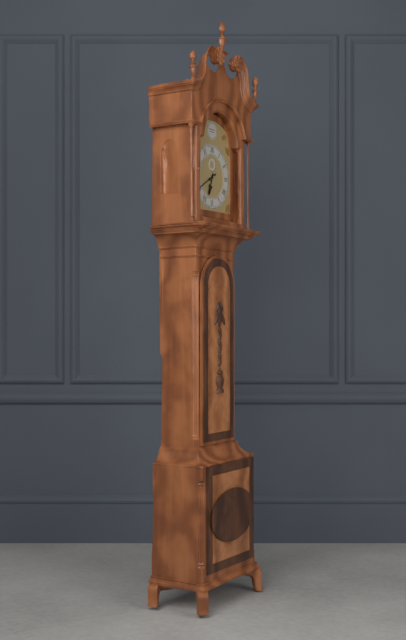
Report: **6:40**
